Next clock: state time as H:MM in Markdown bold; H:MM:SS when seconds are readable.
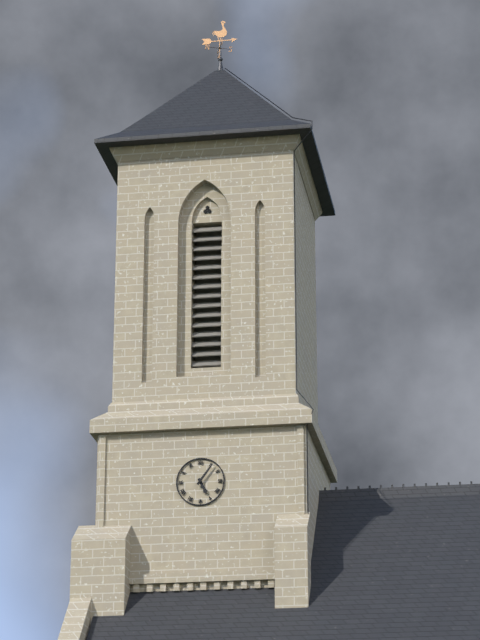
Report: **5:06**
